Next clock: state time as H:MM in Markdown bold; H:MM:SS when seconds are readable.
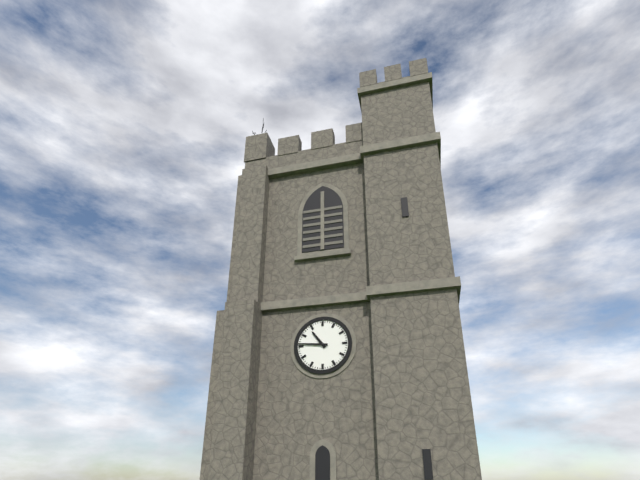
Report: **10:46**
